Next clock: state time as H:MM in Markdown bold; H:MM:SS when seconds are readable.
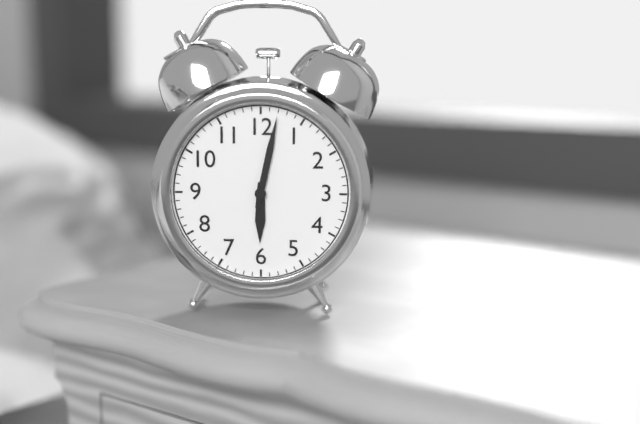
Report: **6:02**
